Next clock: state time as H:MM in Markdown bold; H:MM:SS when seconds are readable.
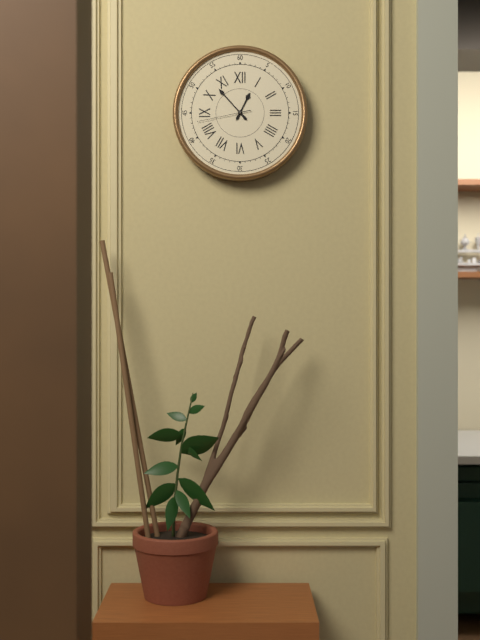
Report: **12:53:43**
